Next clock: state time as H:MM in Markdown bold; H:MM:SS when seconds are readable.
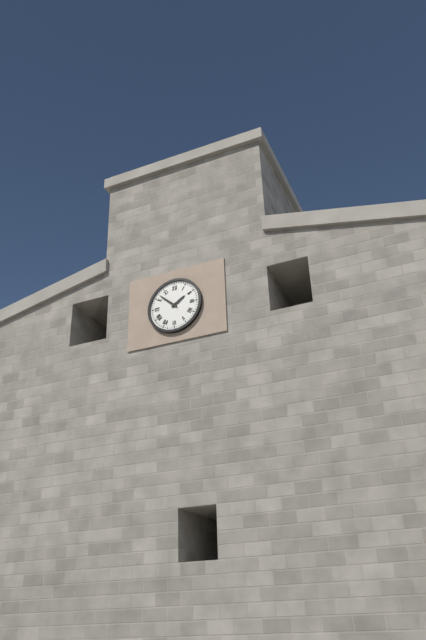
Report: **1:52**
